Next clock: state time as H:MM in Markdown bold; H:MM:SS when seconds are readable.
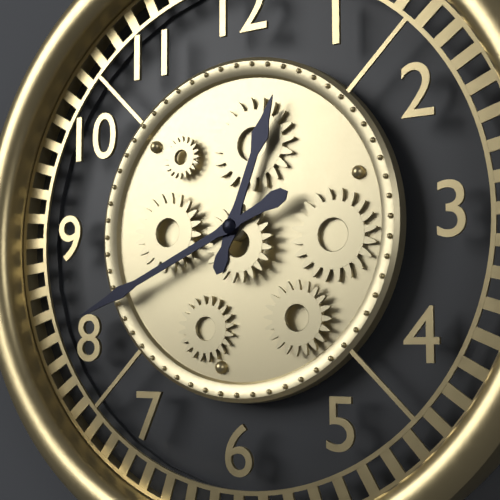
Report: **12:41**
